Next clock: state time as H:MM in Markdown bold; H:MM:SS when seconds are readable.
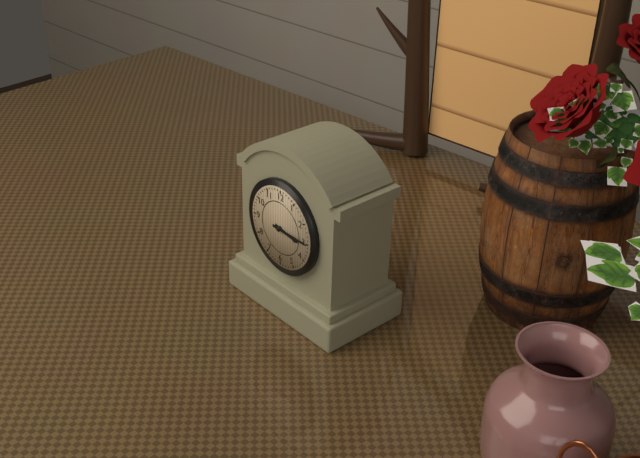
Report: **3:15**
